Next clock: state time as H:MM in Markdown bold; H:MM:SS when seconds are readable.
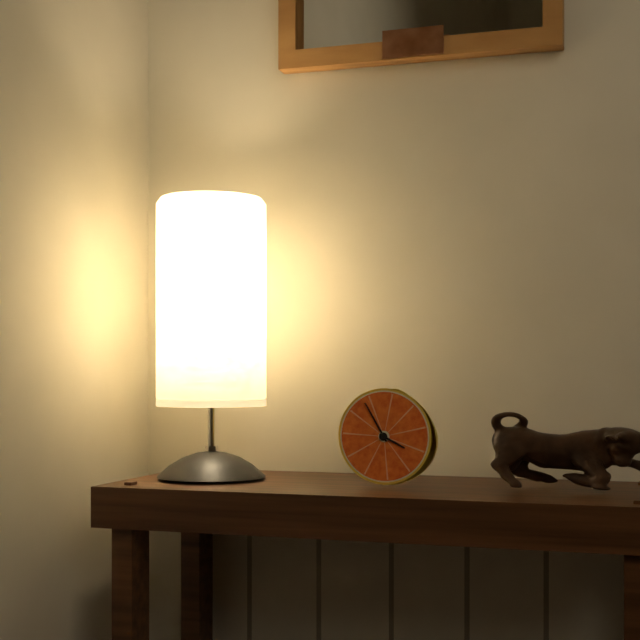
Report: **3:55**
